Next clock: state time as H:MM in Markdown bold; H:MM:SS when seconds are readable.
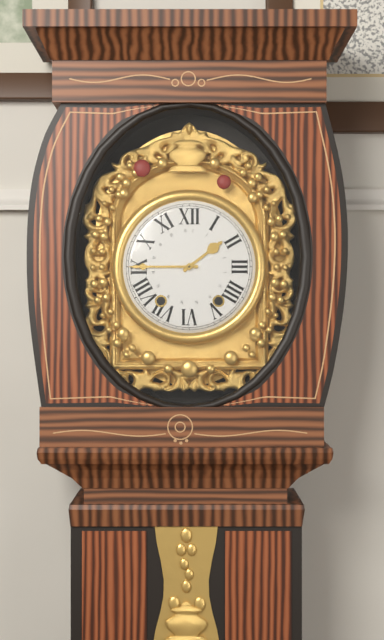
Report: **1:45**
